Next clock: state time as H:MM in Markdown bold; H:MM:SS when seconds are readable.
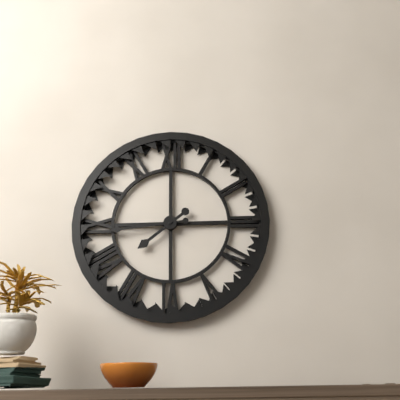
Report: **7:44**
